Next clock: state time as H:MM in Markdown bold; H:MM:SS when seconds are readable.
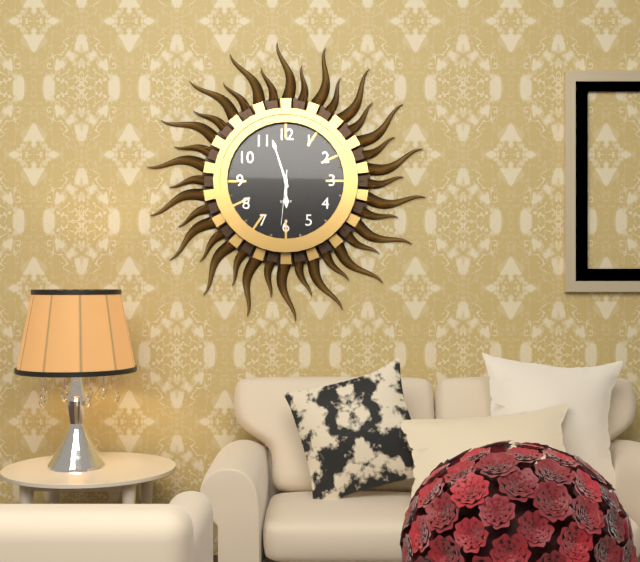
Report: **5:57:31**
